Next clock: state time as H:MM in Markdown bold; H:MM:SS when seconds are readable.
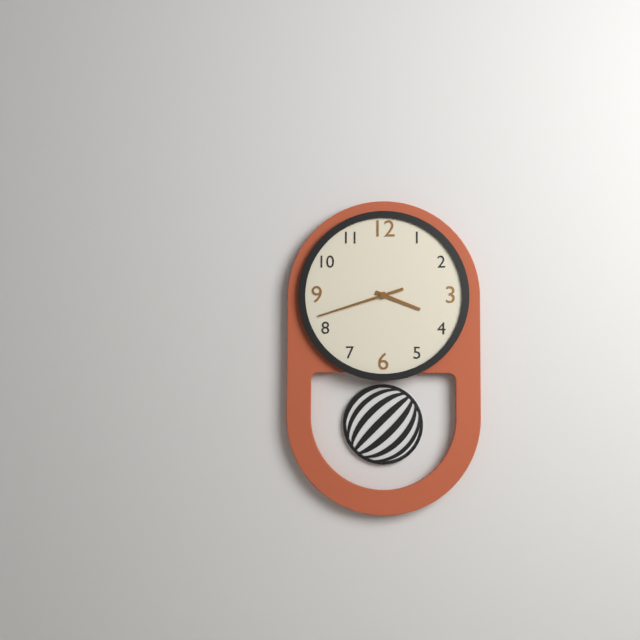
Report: **3:42**
